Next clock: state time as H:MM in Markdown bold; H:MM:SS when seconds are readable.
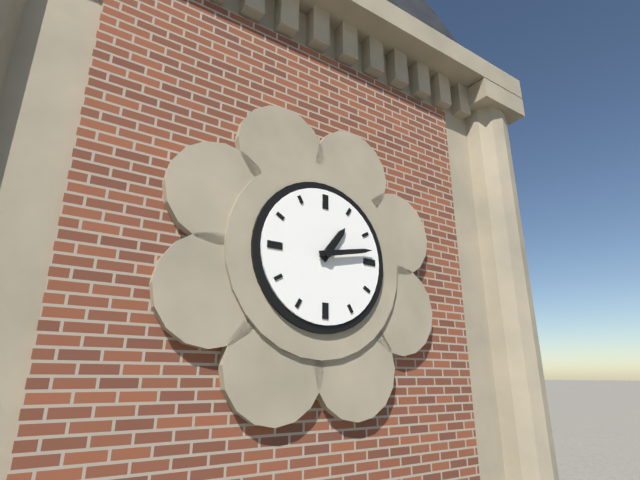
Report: **1:13**
